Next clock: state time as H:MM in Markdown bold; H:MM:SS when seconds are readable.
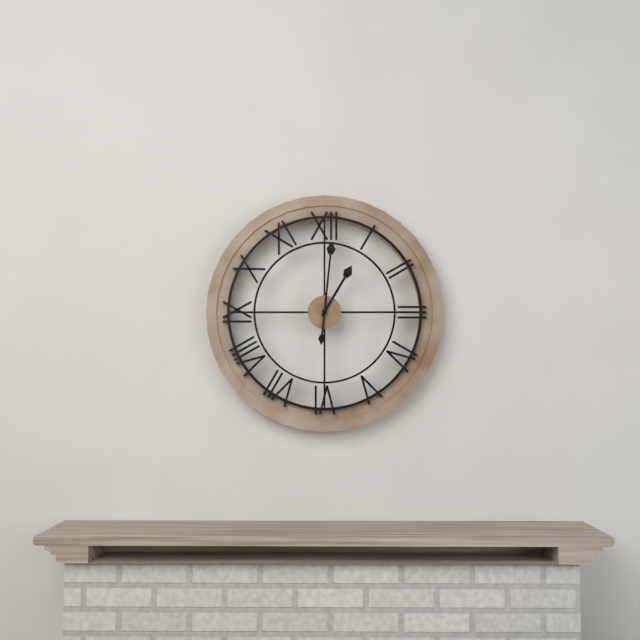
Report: **1:01**
